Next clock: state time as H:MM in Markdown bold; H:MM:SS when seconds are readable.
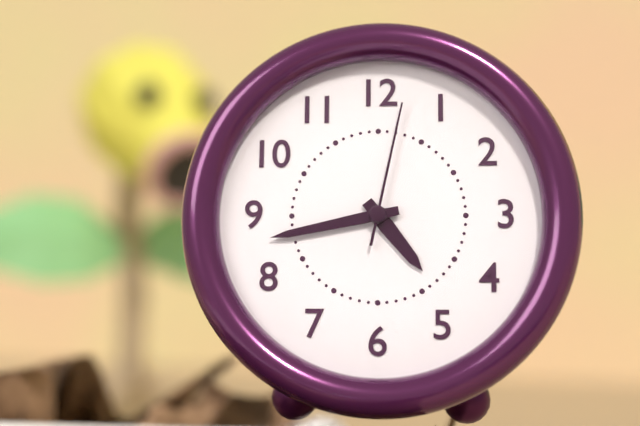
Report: **4:43:02**
